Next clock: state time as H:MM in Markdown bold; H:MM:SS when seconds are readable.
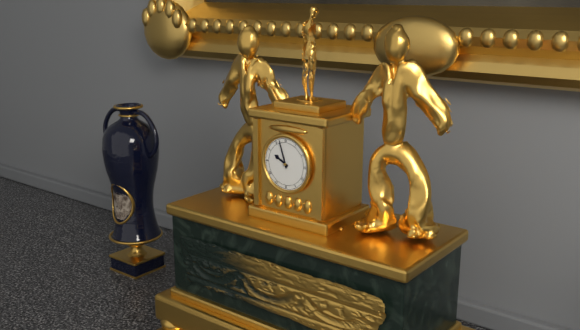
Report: **9:57**
